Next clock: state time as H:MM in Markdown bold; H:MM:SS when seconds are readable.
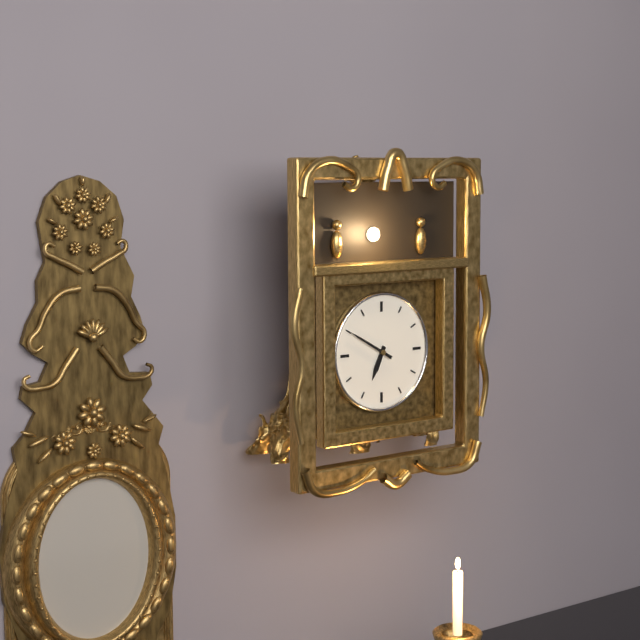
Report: **6:50**
